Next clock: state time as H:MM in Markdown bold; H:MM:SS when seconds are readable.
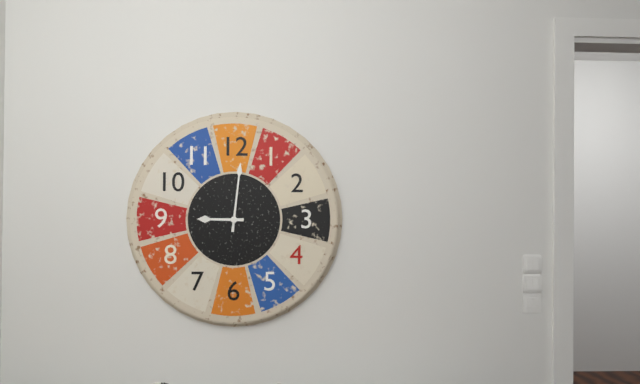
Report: **9:01**
